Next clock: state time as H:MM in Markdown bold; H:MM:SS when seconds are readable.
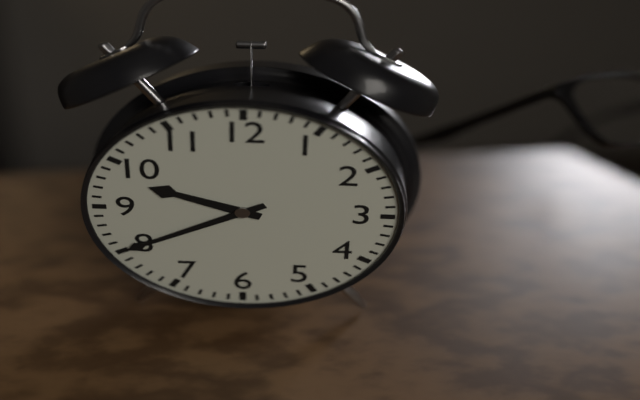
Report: **9:40**
